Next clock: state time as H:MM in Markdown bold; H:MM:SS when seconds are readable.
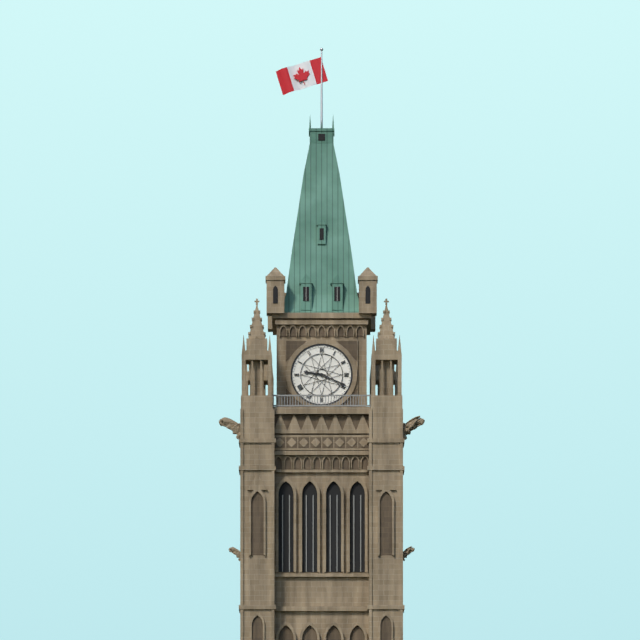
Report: **9:19**
